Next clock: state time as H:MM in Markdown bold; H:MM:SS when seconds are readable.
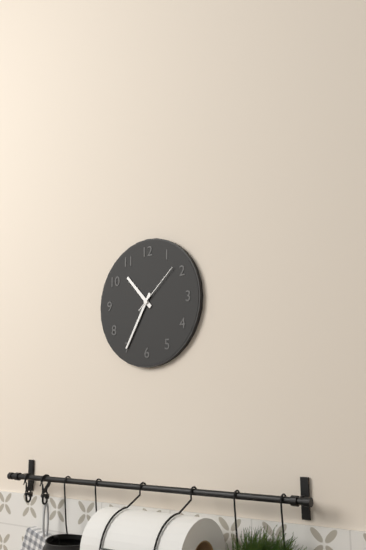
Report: **10:35:08**
